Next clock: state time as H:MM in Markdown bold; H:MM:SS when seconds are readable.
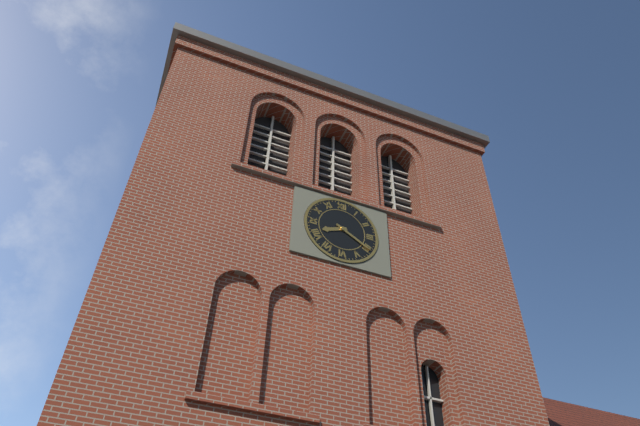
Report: **8:20**
